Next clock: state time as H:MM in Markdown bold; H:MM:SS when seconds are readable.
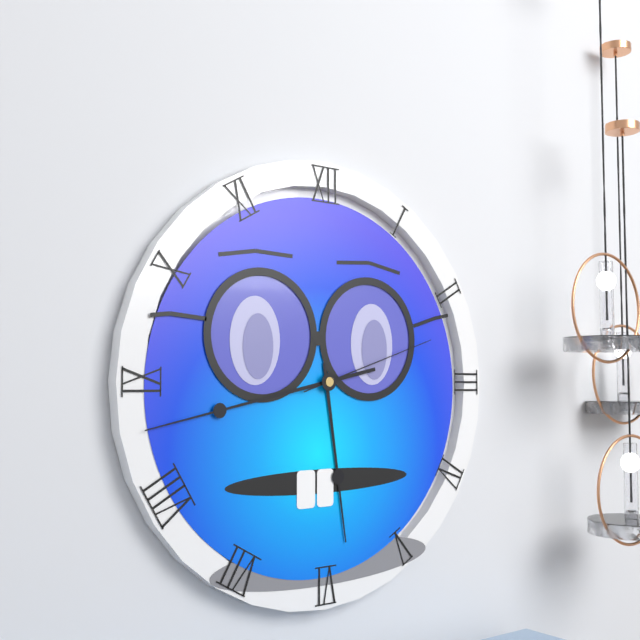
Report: **5:43:12**
